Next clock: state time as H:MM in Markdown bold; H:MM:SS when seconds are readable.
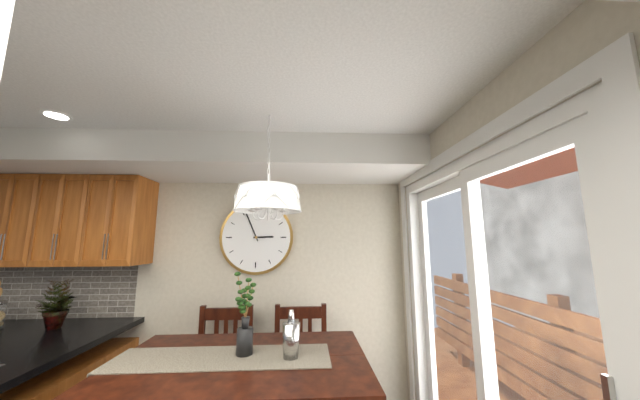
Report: **2:56**
